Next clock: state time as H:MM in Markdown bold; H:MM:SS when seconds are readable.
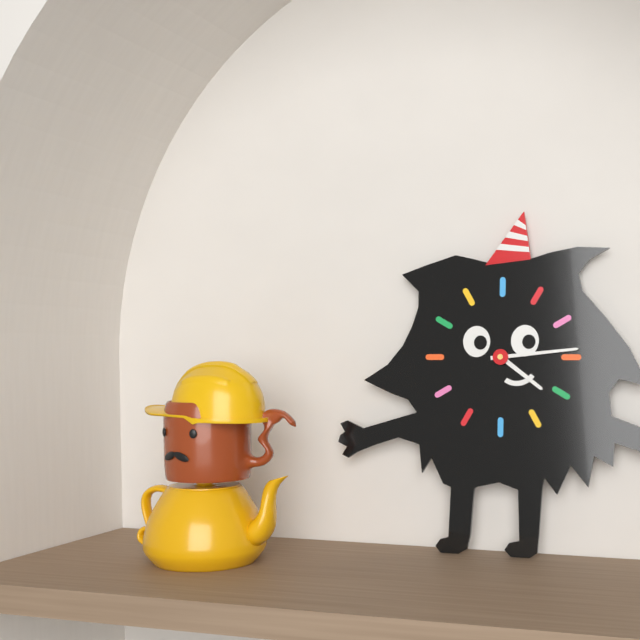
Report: **4:14**
